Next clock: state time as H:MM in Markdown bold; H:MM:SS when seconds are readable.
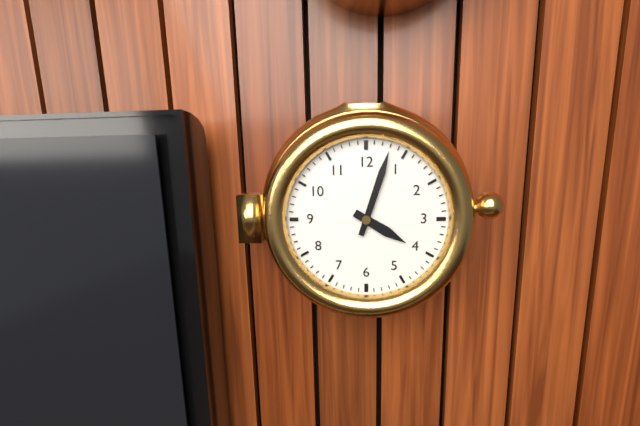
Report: **4:03**
